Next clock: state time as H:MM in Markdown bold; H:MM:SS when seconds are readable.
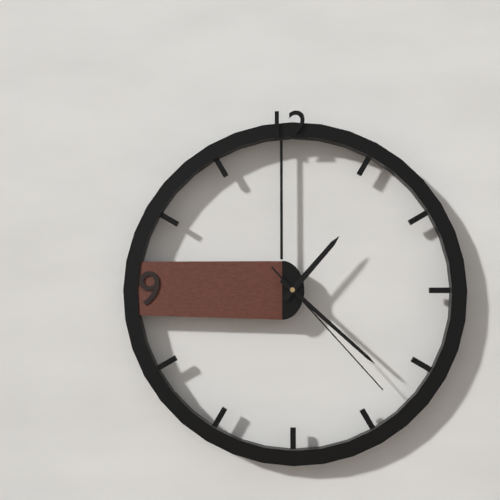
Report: **1:22:23**
